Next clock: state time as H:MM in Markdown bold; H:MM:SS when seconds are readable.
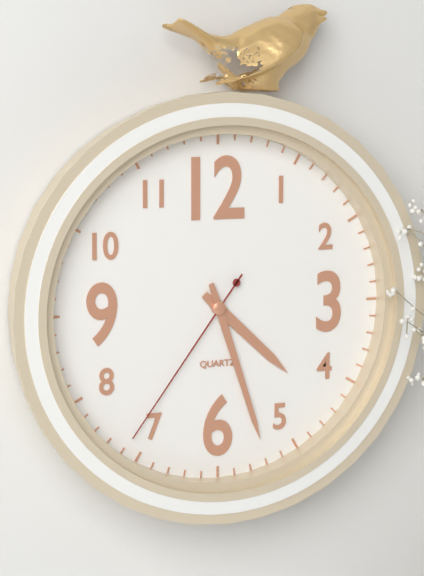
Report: **4:27:36**
